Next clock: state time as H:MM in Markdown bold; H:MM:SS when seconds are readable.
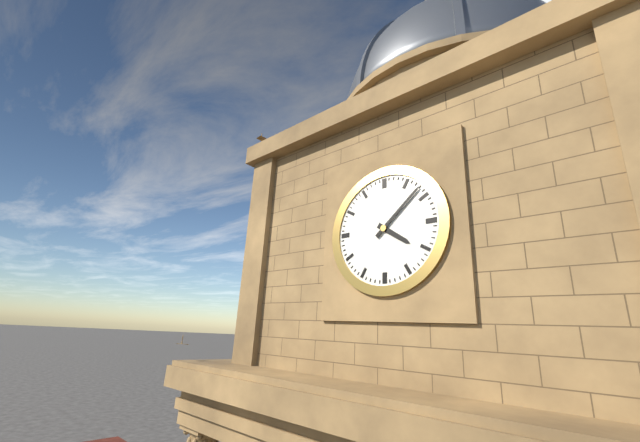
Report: **4:08**
